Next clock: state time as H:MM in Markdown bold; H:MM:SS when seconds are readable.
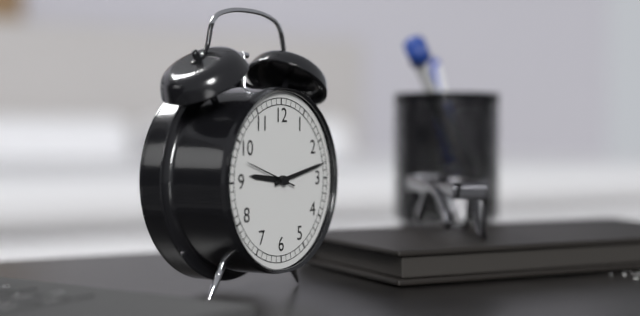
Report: **9:13:48**
